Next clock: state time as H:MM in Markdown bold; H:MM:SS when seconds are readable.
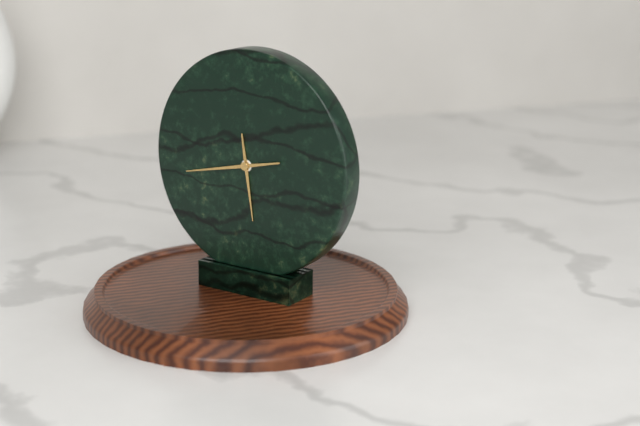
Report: **5:43**
